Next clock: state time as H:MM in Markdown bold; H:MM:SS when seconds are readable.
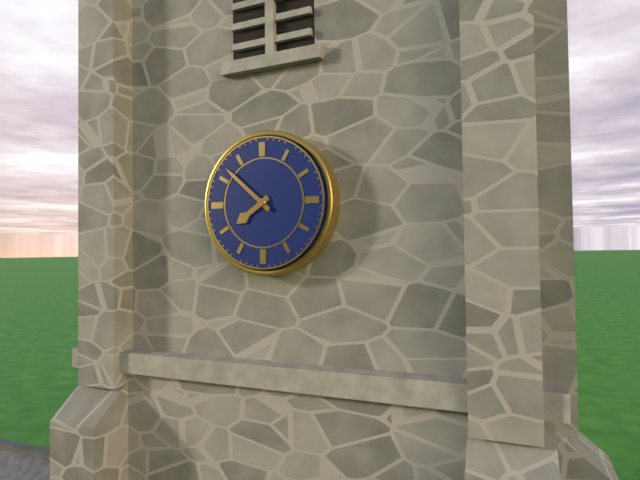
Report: **7:52**
